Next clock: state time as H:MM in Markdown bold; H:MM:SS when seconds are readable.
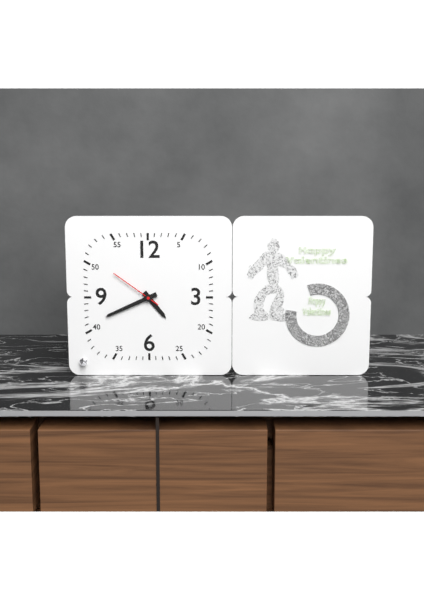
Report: **4:41:51**
